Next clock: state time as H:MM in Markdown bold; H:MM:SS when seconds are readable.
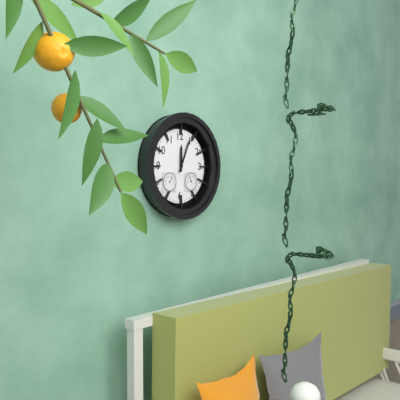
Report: **12:04**
